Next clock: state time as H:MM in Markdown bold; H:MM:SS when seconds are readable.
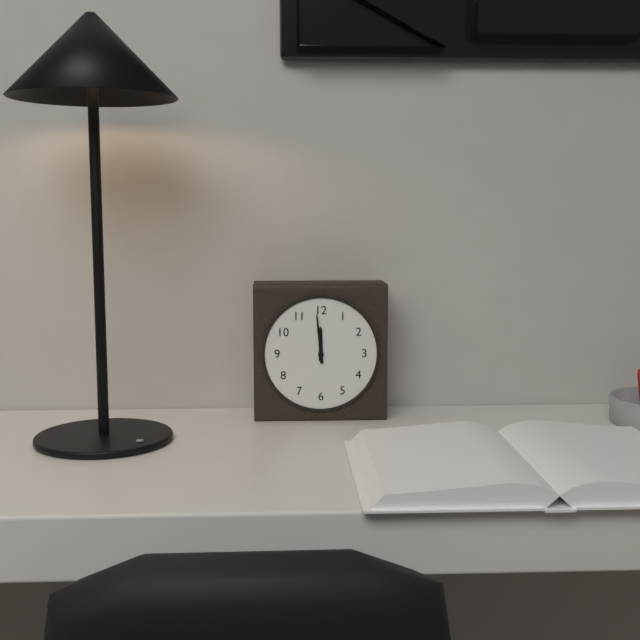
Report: **11:59**
